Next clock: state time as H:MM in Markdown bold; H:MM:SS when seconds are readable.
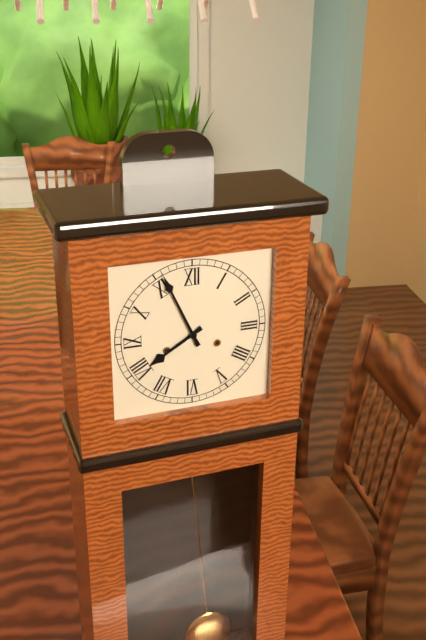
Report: **7:56**
